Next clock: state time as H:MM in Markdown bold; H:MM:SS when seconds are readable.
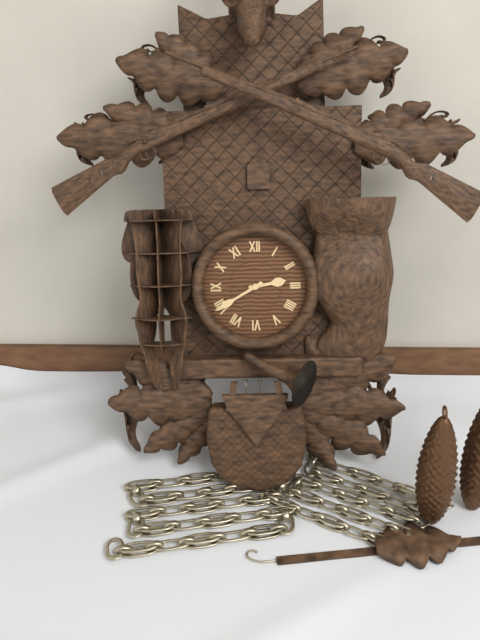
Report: **2:40**
